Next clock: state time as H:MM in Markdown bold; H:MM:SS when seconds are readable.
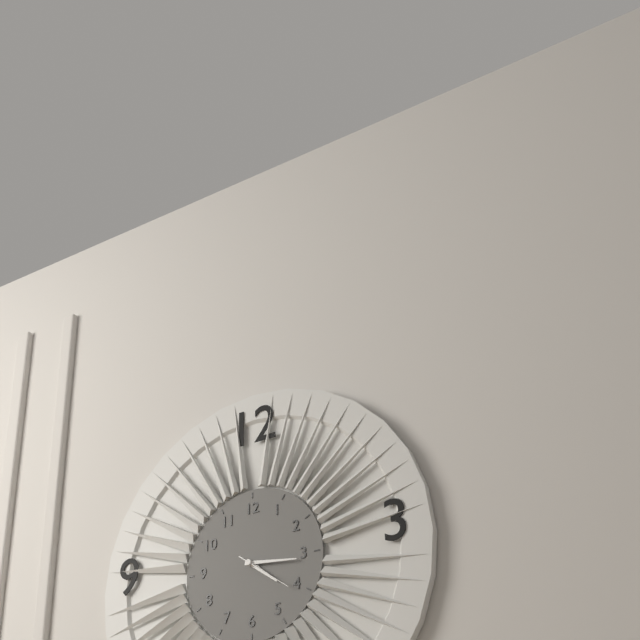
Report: **4:16:21**
